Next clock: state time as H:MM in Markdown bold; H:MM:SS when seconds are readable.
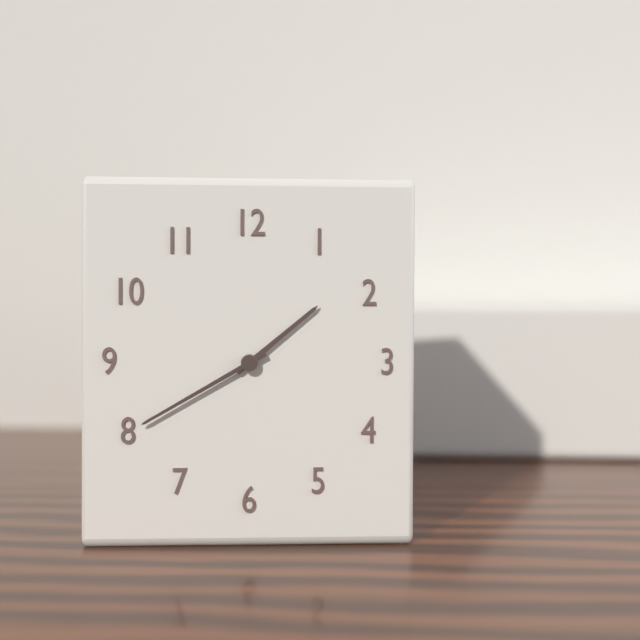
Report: **1:40**
